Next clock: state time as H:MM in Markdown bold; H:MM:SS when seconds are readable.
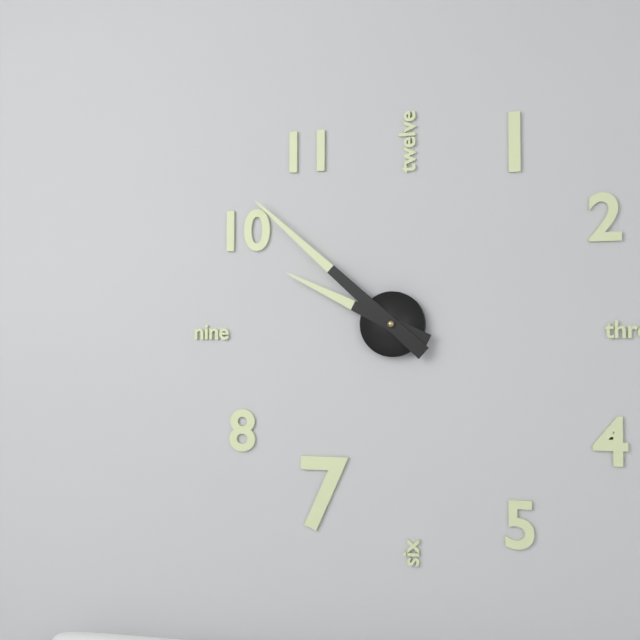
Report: **9:52**
